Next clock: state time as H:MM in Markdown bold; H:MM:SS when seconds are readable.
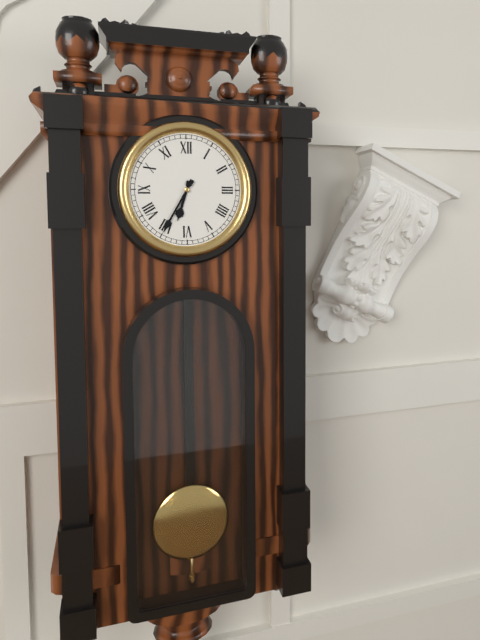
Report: **6:35**
